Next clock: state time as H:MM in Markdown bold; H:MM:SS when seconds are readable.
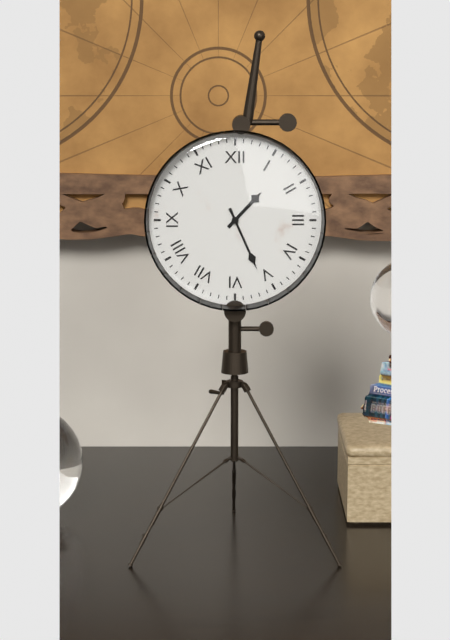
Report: **1:26**
